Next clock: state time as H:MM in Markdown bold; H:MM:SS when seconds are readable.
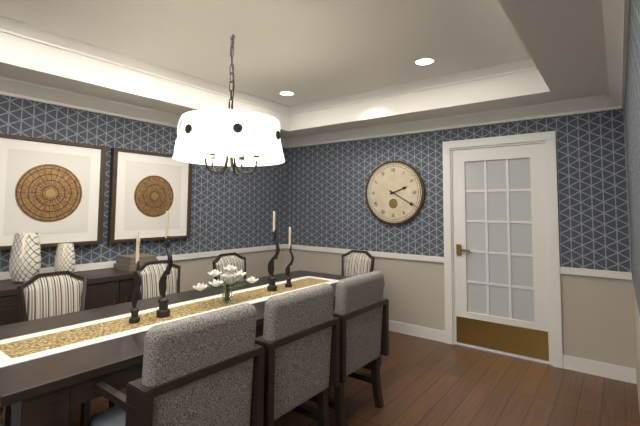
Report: **2:20**
